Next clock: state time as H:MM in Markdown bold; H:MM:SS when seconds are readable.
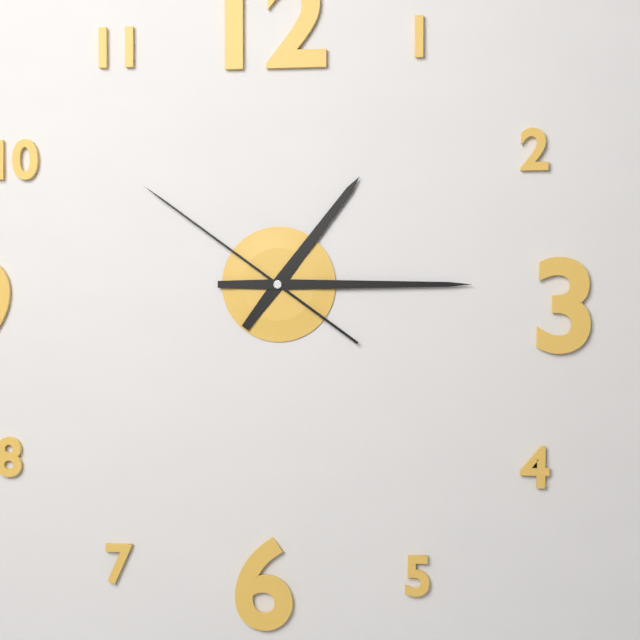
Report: **1:15:51**
